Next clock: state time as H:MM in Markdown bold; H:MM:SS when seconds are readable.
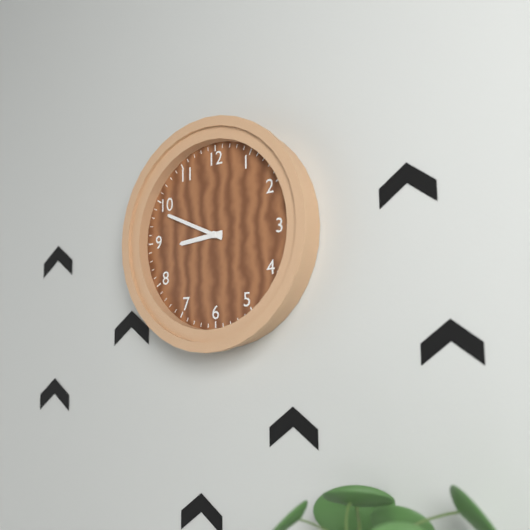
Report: **8:49**
